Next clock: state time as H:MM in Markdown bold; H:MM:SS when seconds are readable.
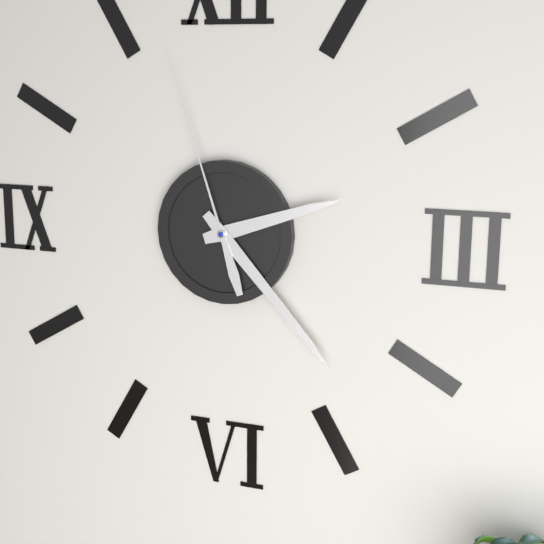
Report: **2:23:57**
